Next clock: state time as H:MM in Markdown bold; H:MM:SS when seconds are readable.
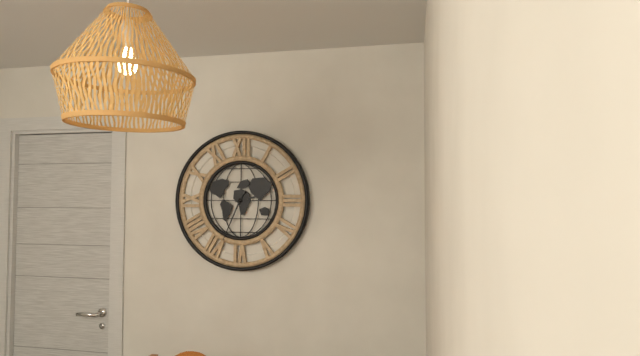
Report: **2:34**
